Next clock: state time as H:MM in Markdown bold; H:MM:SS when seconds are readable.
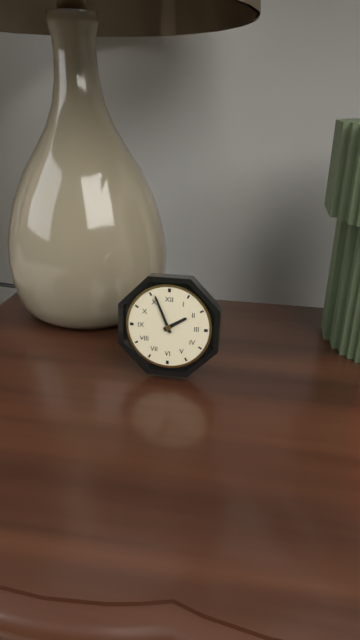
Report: **1:56**
